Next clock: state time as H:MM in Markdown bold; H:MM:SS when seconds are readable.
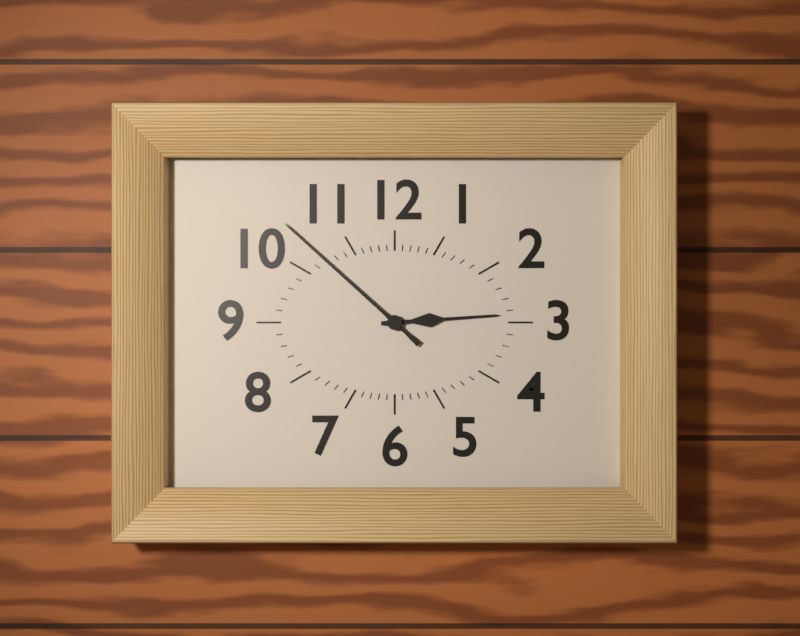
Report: **2:52**
